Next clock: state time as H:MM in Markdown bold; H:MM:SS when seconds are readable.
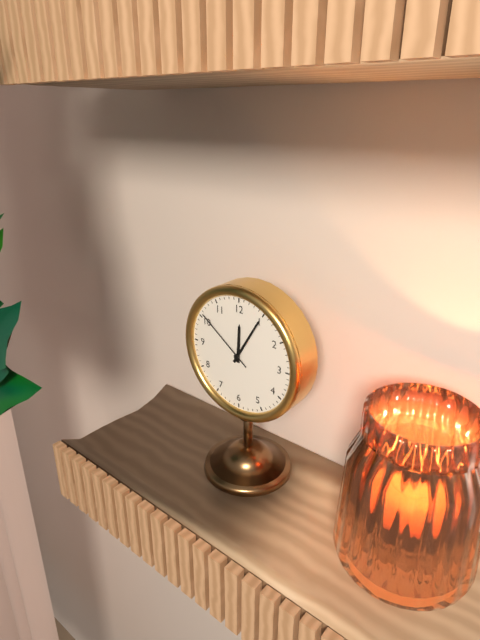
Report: **12:05:51**
